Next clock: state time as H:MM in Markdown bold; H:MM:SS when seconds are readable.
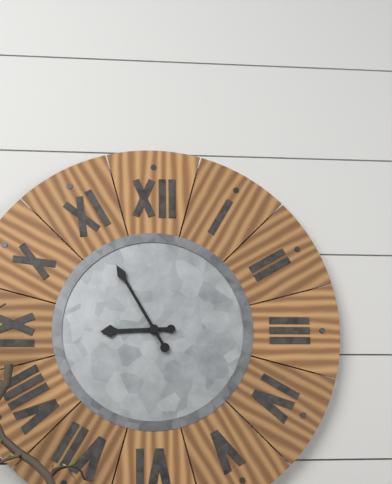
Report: **8:55**
